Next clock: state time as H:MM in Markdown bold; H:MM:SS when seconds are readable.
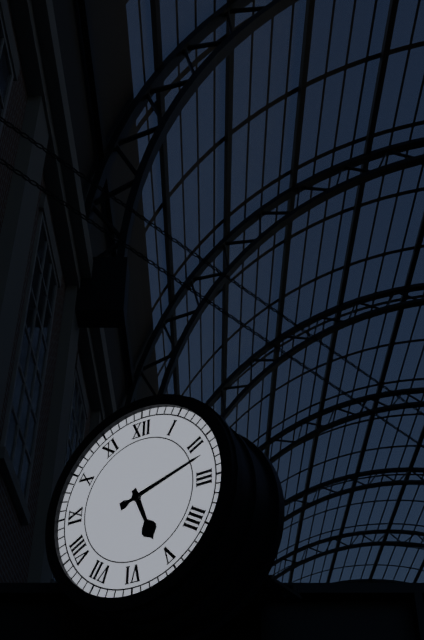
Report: **5:12**
